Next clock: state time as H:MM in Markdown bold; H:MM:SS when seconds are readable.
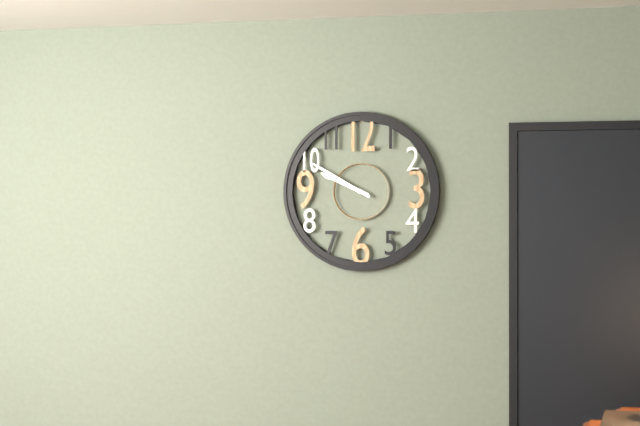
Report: **9:50**
